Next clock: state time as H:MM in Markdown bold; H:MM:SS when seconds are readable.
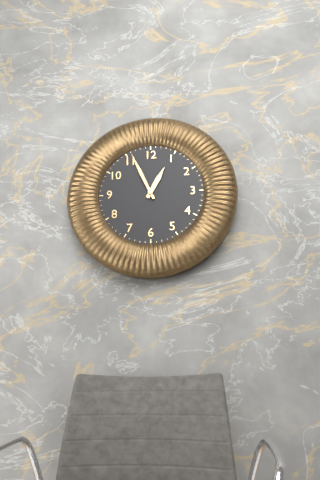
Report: **12:56**
